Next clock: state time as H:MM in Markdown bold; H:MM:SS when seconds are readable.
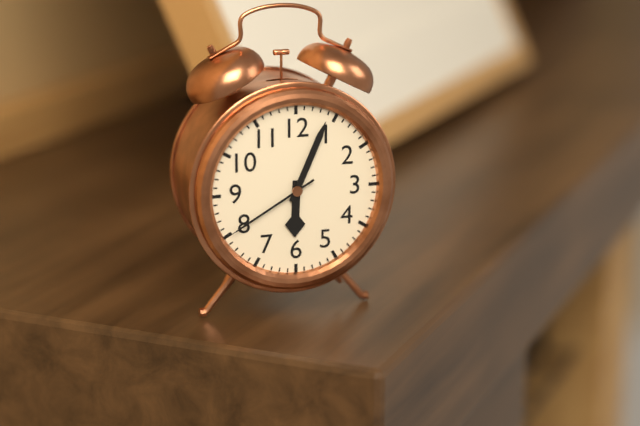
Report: **6:04:40**
